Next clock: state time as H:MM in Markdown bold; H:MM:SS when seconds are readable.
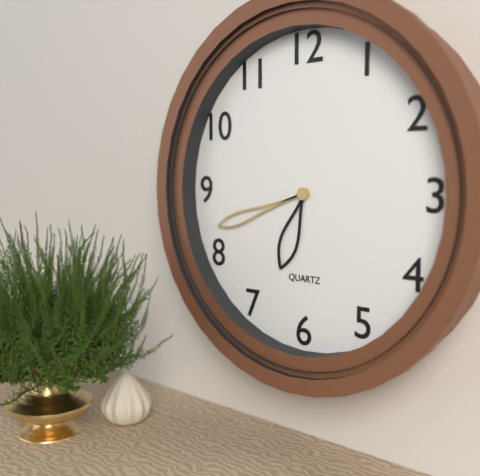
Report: **6:42**
